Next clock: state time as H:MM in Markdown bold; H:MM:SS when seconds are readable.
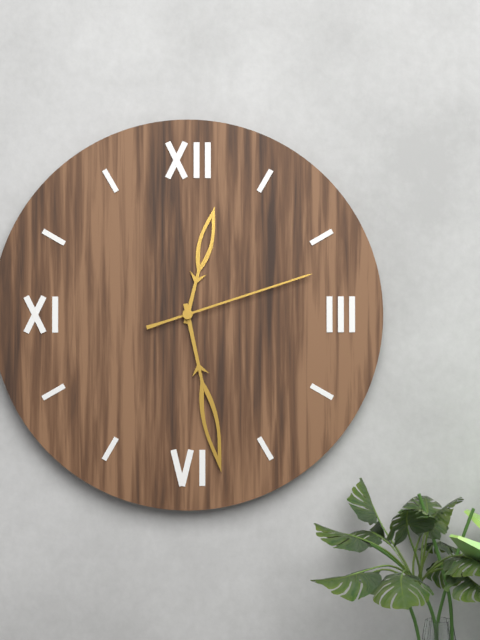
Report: **12:28:12**
